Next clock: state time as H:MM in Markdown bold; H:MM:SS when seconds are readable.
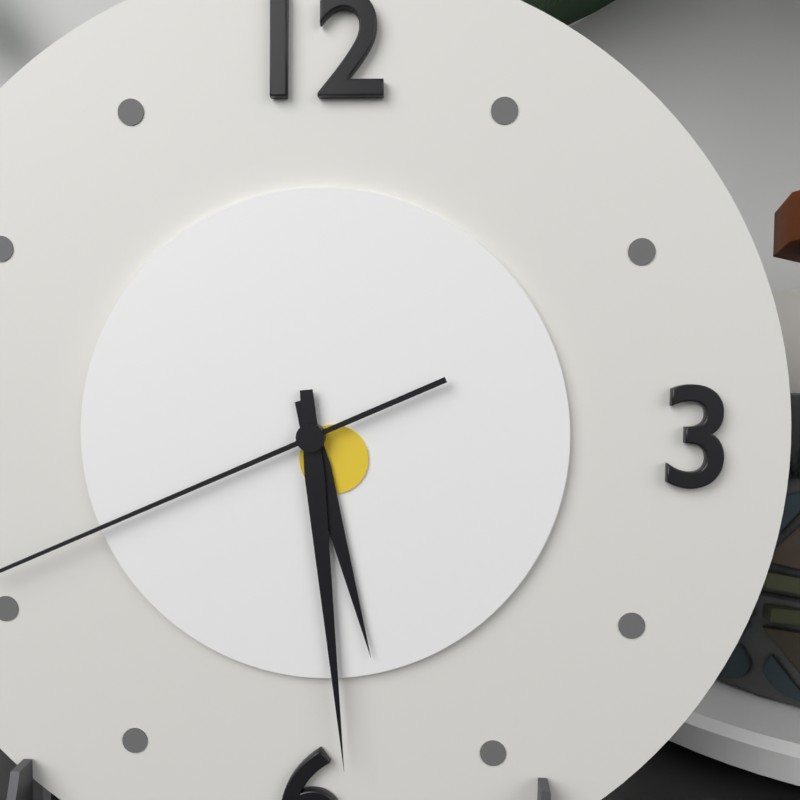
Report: **5:29**
